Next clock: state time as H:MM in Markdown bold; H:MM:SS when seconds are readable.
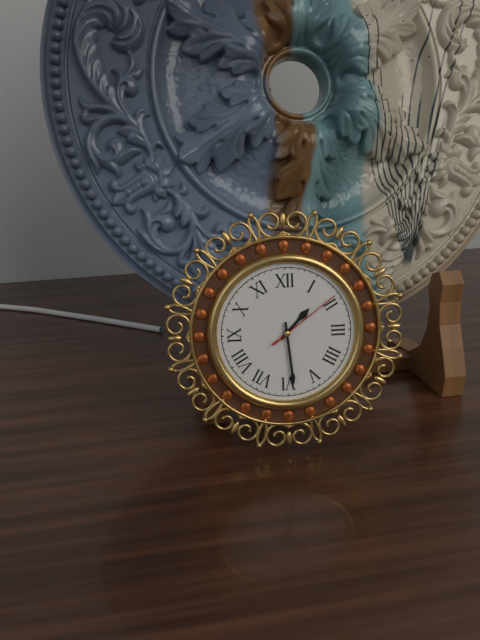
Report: **1:29:09**
